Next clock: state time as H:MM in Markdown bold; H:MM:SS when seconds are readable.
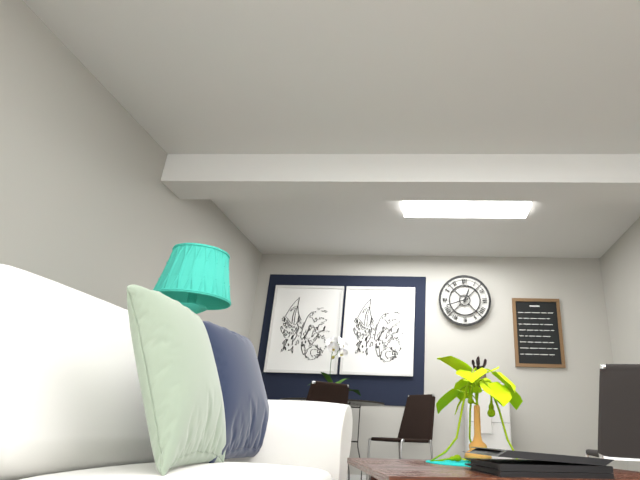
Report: **12:42**
